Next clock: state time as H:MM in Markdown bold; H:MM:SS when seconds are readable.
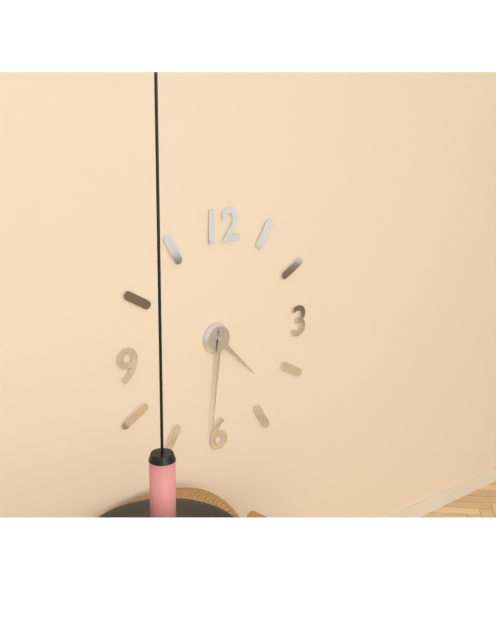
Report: **4:31**
